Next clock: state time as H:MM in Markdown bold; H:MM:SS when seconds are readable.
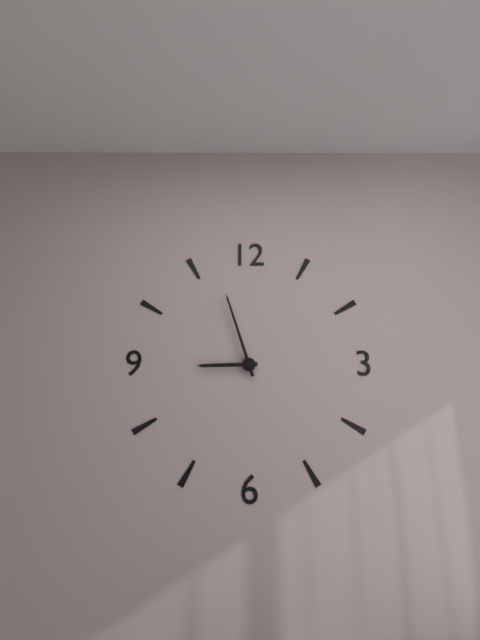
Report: **8:57**
